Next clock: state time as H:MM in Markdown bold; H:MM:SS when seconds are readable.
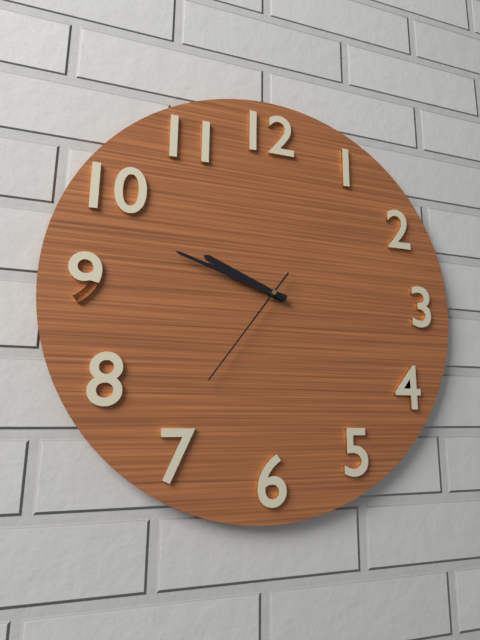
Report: **9:48:36**
